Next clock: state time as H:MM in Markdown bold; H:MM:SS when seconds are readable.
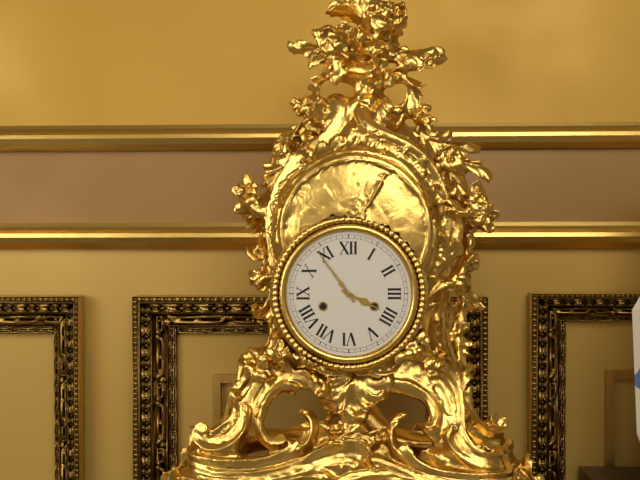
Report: **3:54**
